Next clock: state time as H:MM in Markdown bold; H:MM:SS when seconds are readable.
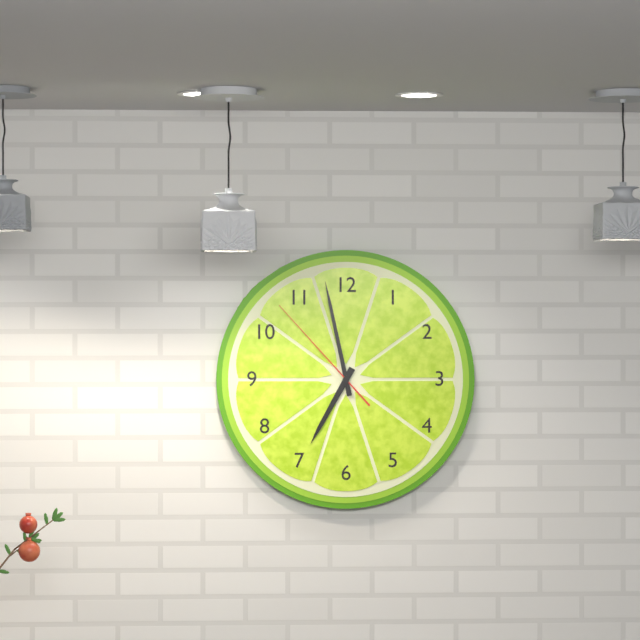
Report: **6:58:53**
